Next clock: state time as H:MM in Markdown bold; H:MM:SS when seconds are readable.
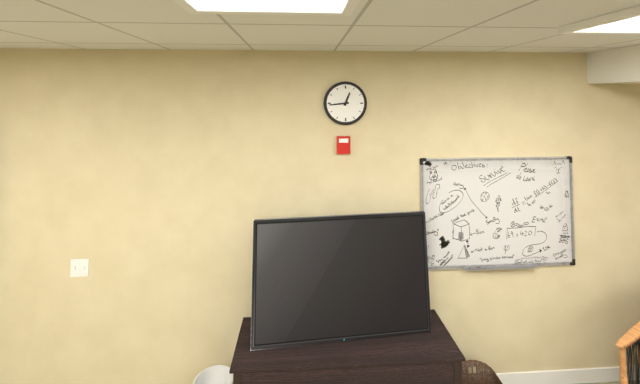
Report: **12:44**
